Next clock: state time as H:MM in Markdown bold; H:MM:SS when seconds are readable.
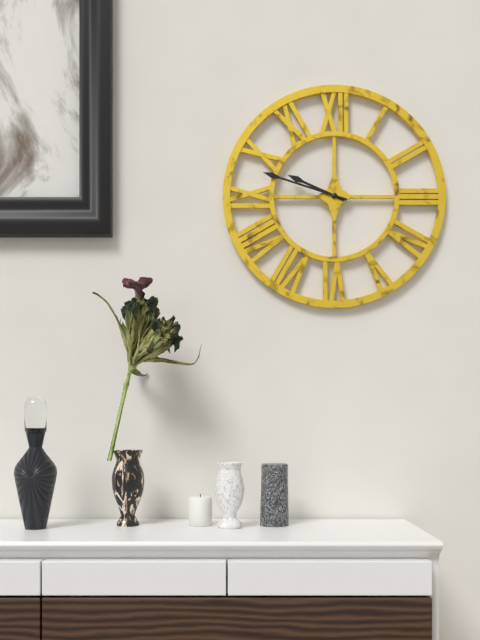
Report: **9:48**
